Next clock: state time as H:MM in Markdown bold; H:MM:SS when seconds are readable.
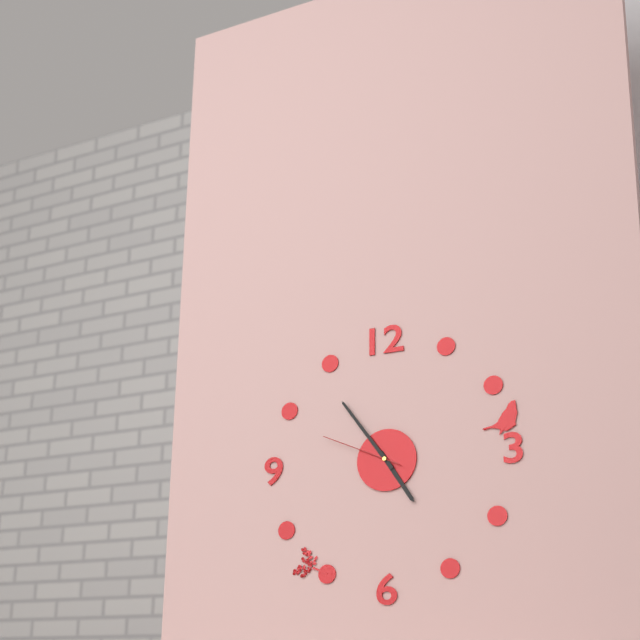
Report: **4:54:49**
